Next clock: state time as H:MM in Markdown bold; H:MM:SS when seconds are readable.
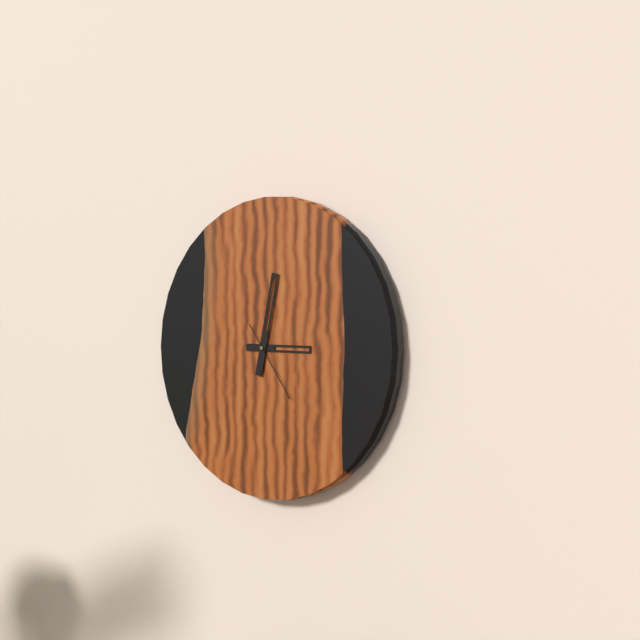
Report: **3:02:24**
